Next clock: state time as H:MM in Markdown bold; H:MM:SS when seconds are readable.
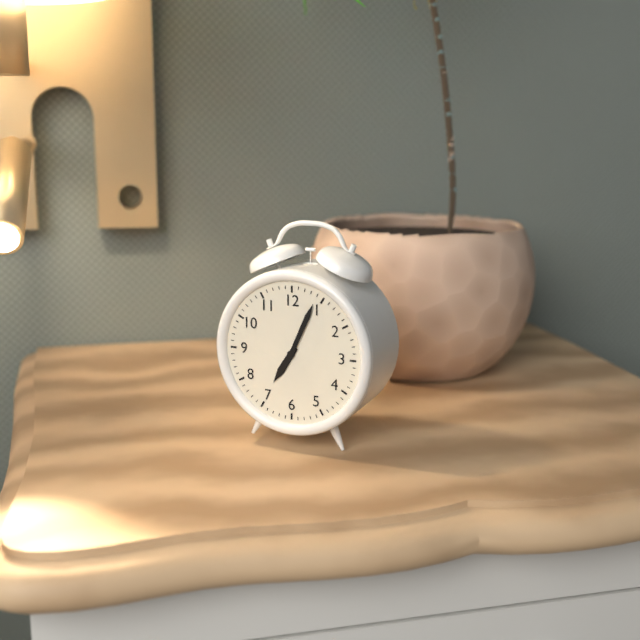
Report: **7:04**
